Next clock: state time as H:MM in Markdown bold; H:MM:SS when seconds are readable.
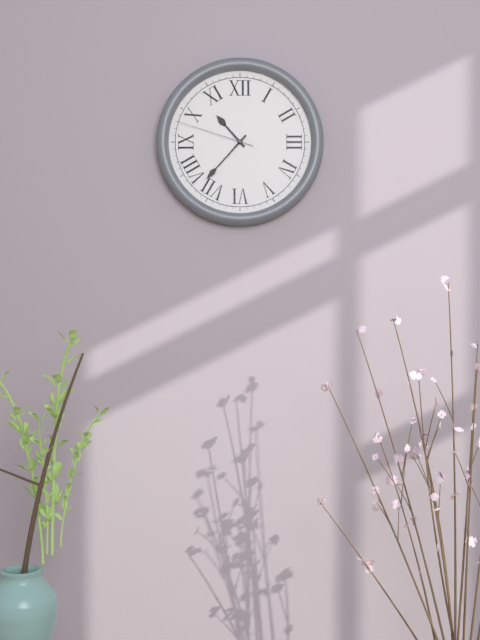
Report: **10:37:48**
